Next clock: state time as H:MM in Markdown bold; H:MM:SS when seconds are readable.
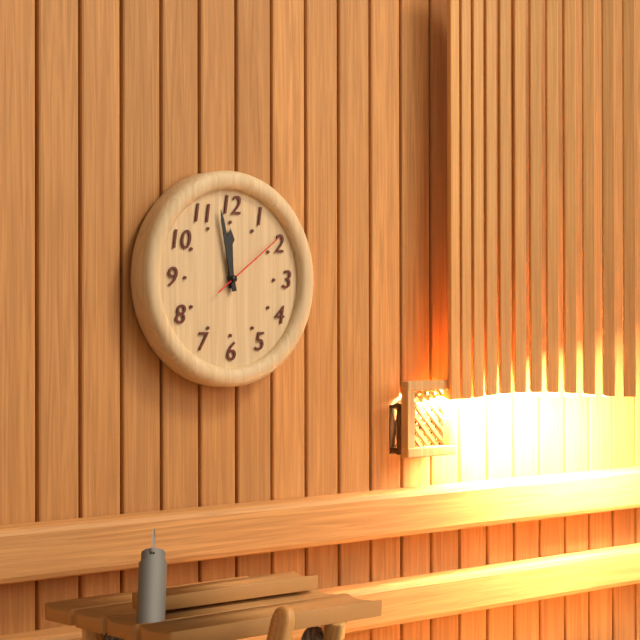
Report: **11:58:09**
